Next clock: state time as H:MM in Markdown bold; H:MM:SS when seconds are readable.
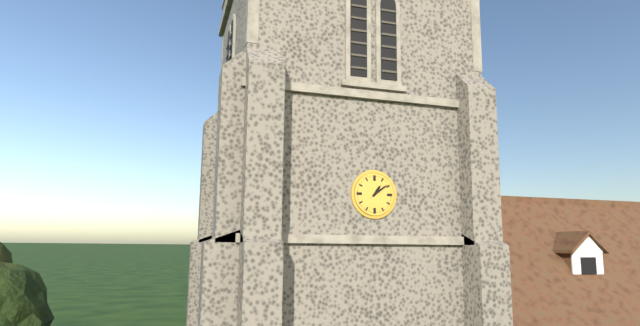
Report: **1:09**
